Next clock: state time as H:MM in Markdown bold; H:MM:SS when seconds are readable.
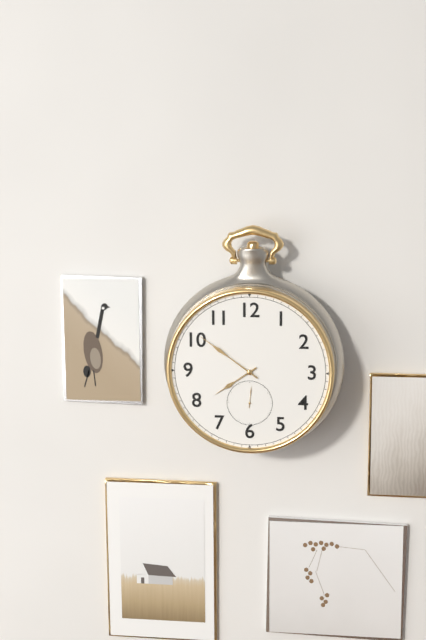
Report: **7:51**
